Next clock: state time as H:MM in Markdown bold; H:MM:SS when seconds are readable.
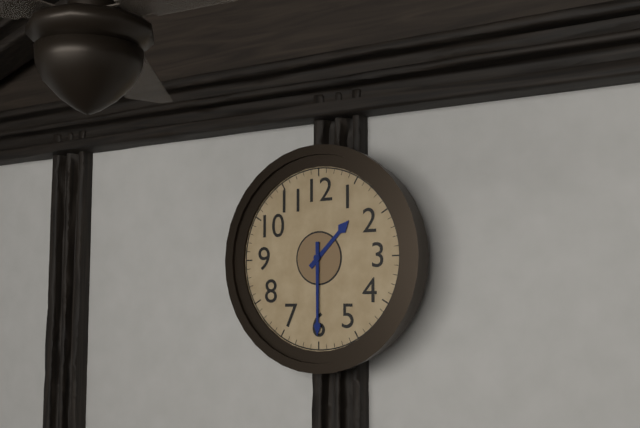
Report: **1:30**
